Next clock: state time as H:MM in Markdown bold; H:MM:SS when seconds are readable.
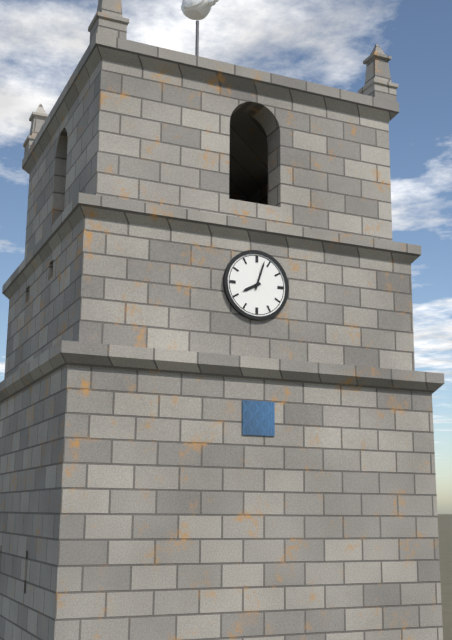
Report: **8:03**
